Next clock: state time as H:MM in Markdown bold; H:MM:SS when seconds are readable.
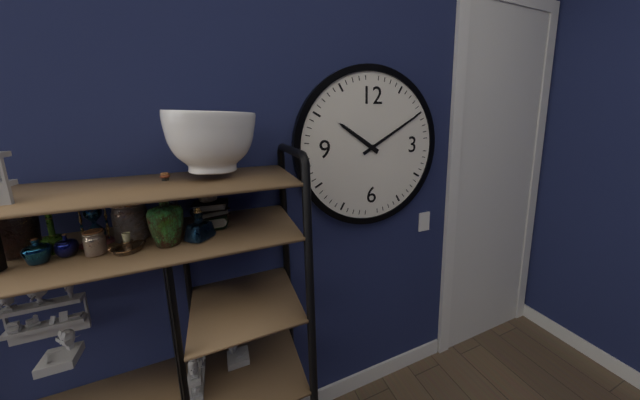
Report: **10:10**
